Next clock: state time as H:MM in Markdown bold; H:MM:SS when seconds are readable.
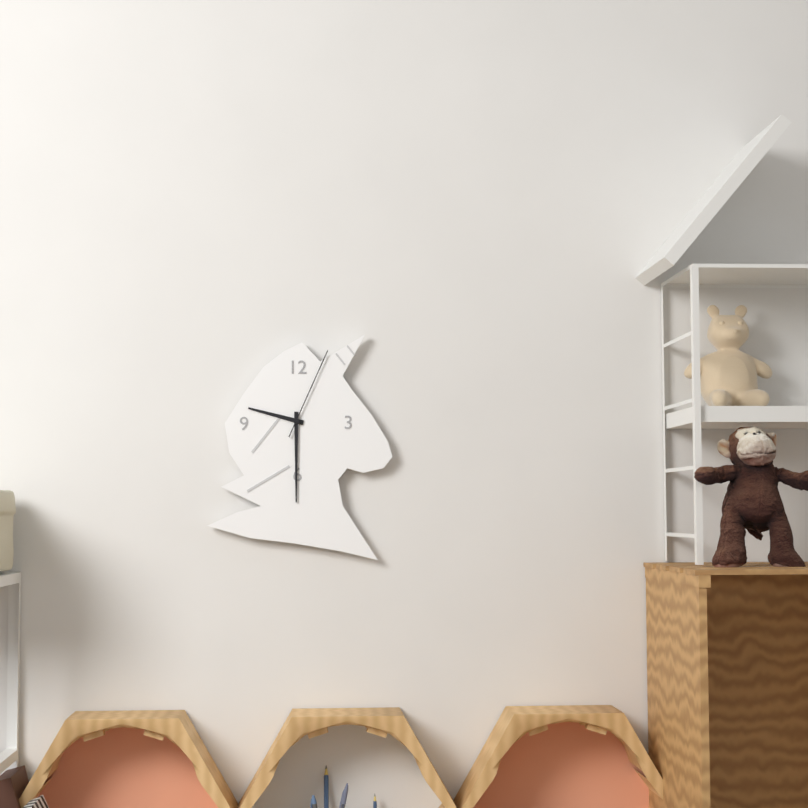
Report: **9:30:04**
